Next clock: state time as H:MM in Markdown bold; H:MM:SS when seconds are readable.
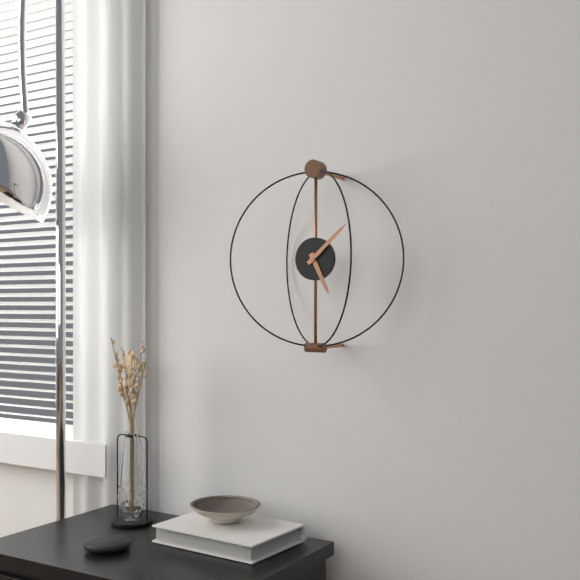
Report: **5:08**
